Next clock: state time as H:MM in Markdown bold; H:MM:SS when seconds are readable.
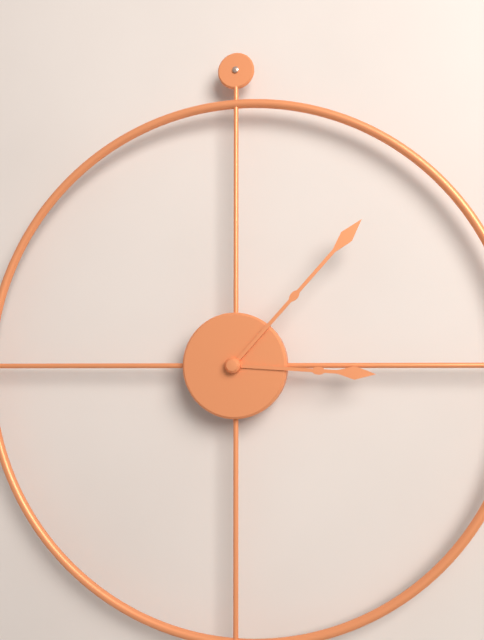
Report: **3:07**
